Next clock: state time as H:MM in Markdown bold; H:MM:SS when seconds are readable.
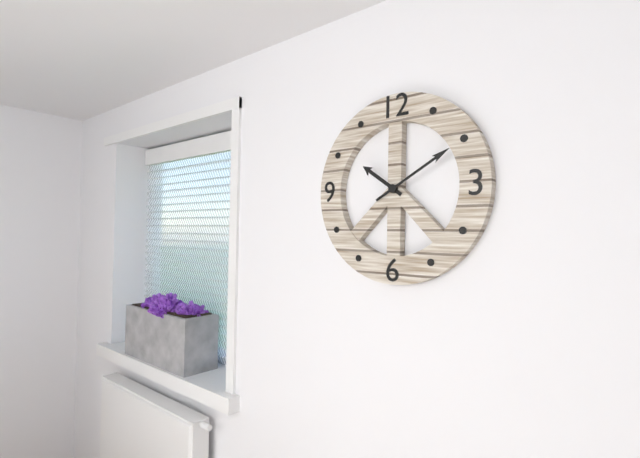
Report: **10:10**
